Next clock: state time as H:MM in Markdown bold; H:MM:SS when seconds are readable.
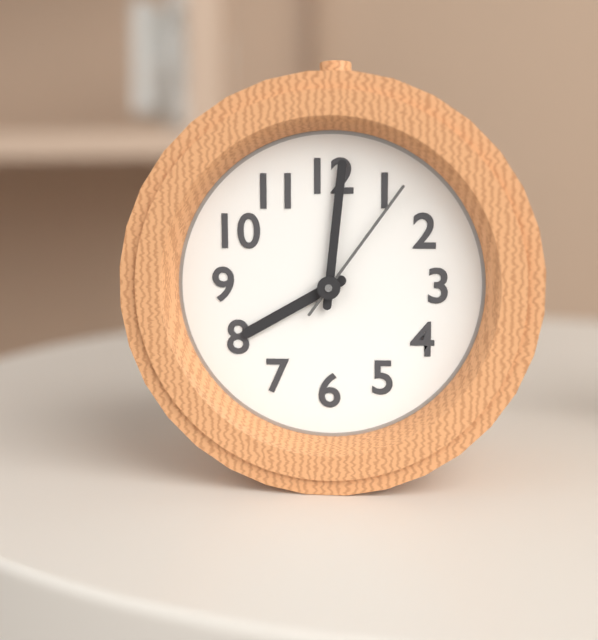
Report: **8:01:06**
